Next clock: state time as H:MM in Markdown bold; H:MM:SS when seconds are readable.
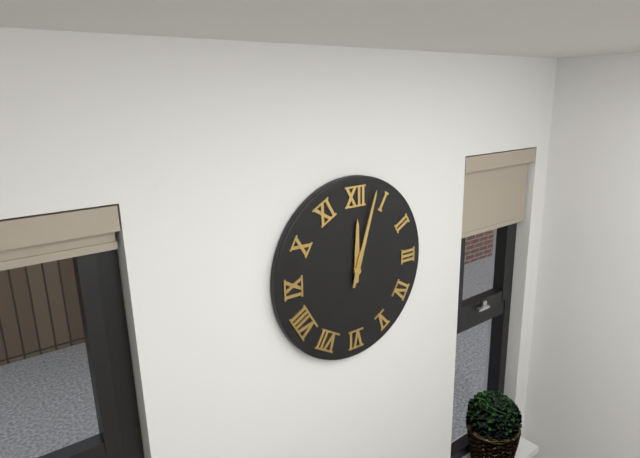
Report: **12:03**
